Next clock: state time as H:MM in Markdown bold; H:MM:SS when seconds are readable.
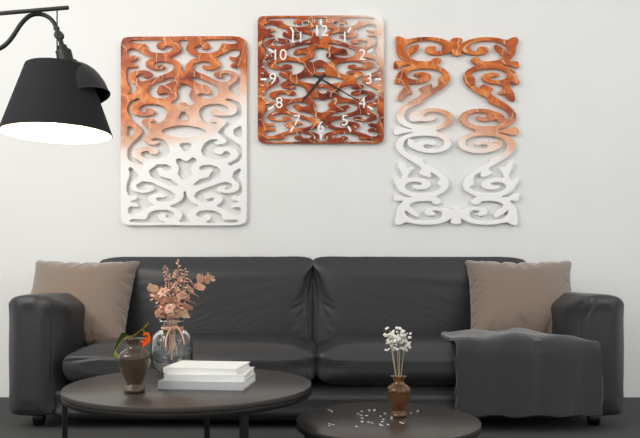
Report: **7:20**
